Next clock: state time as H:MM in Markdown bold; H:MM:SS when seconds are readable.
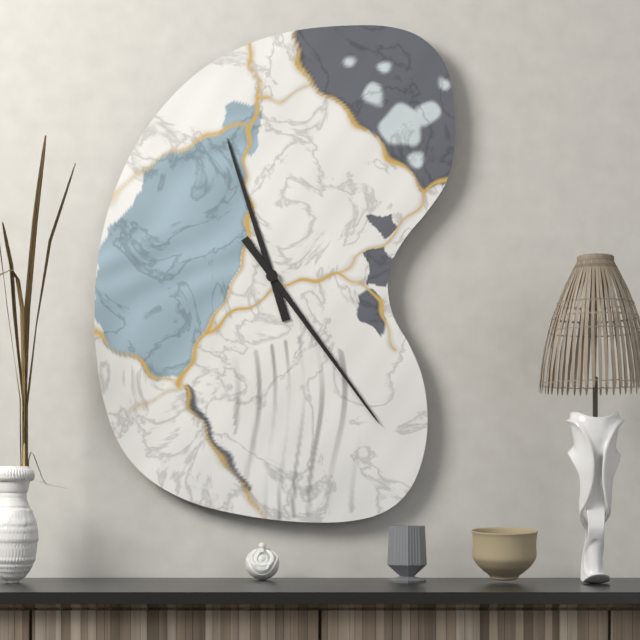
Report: **11:24**
